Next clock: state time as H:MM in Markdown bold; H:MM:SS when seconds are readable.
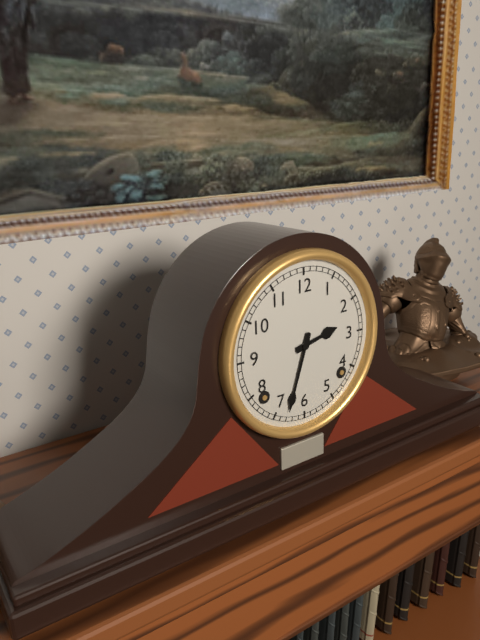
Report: **2:33**
